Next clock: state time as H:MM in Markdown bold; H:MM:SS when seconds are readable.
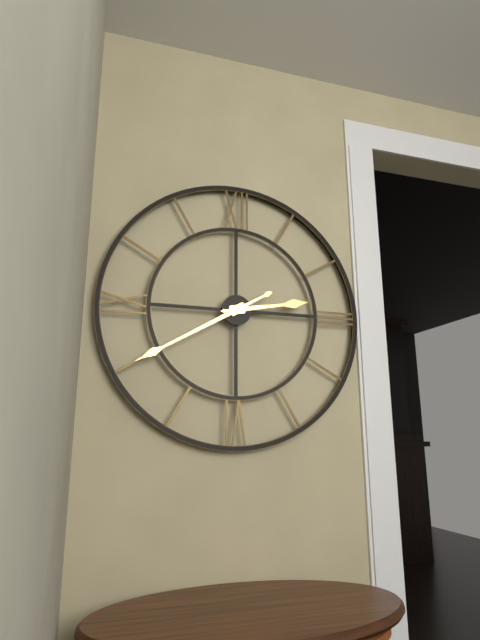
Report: **2:40**
